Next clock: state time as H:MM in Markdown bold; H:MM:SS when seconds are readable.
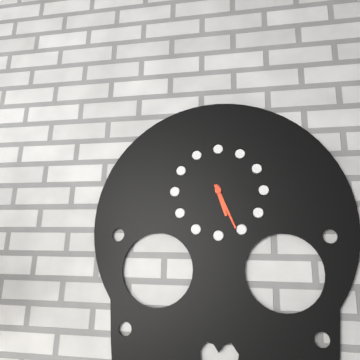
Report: **5:26**
